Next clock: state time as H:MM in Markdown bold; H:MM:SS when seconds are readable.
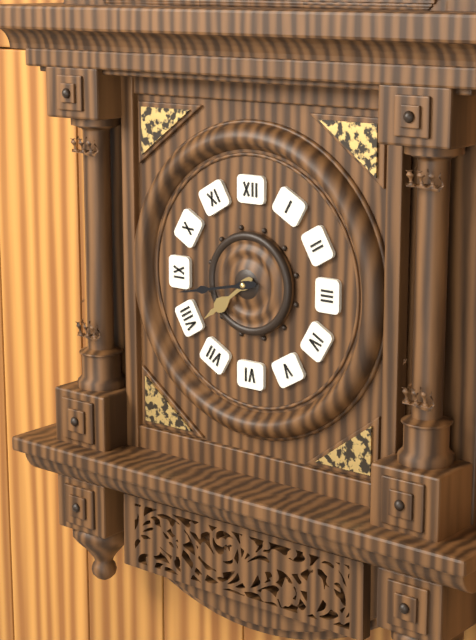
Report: **7:43**
